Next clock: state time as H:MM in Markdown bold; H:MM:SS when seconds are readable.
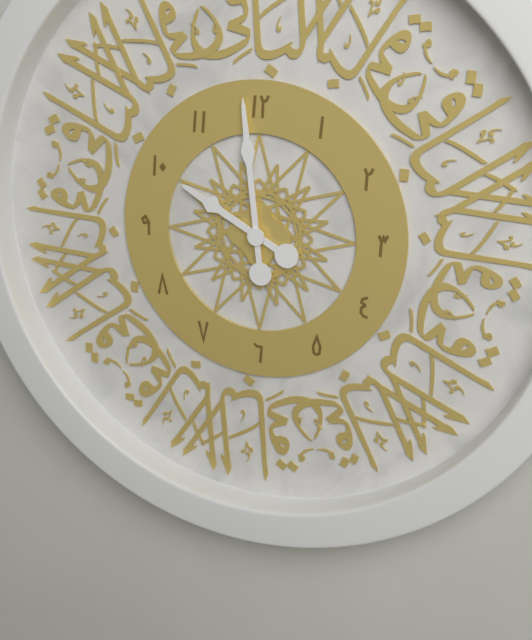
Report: **9:59**
